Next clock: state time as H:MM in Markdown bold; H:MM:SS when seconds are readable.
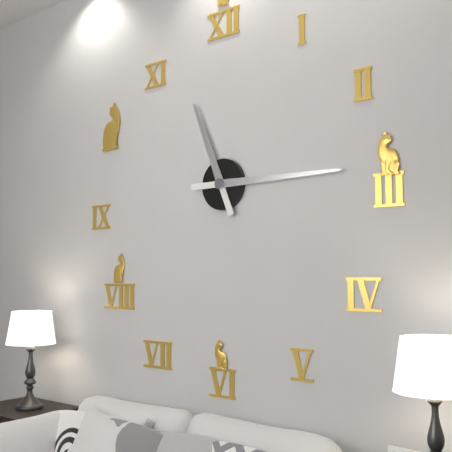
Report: **11:15**
